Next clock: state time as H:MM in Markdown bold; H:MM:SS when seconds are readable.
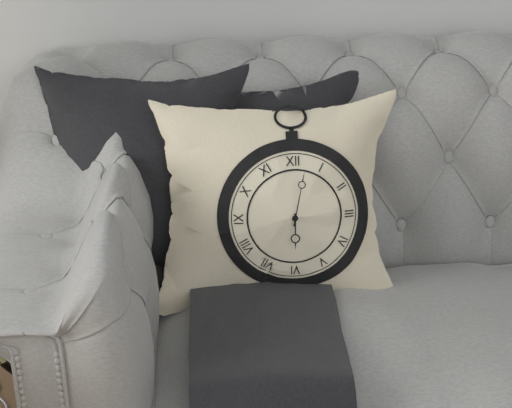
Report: **6:02**
